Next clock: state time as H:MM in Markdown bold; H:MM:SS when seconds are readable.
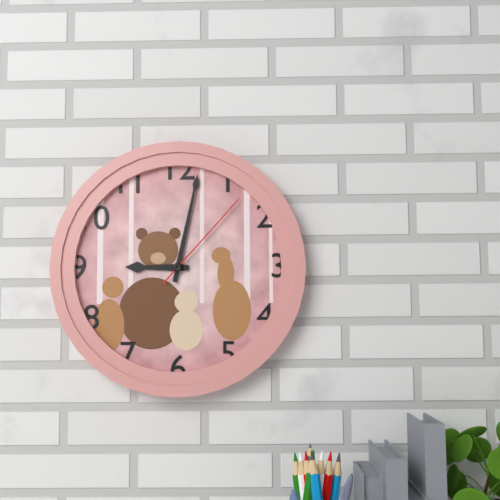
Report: **9:02:07**
